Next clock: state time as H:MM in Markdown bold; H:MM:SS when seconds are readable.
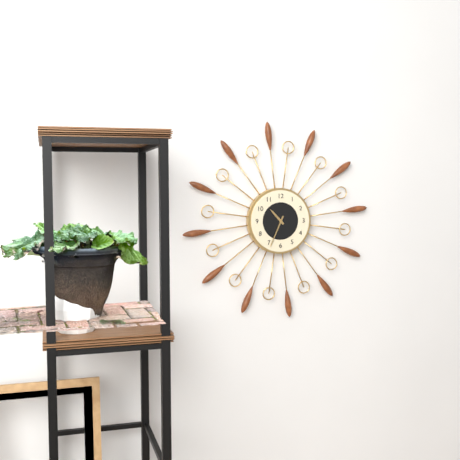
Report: **10:34**
